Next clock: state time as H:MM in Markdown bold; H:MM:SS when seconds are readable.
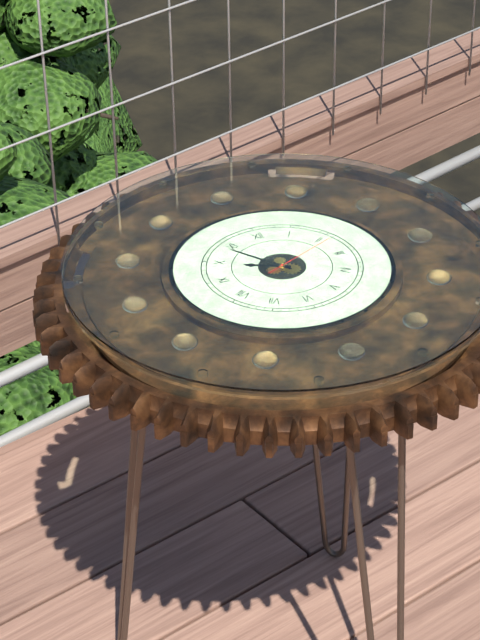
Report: **9:54:11**
